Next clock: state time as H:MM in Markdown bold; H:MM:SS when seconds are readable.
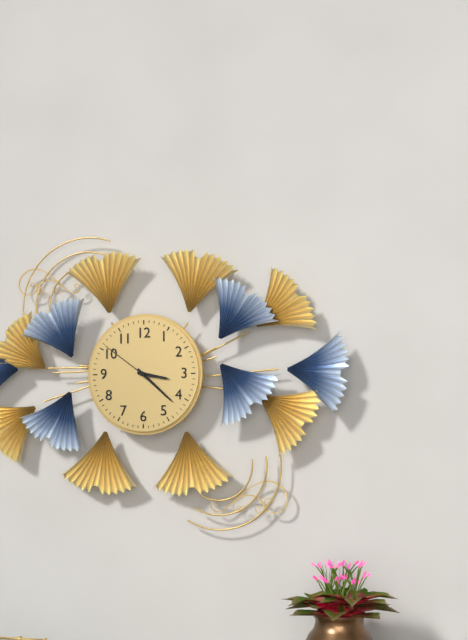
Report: **3:22:51**
